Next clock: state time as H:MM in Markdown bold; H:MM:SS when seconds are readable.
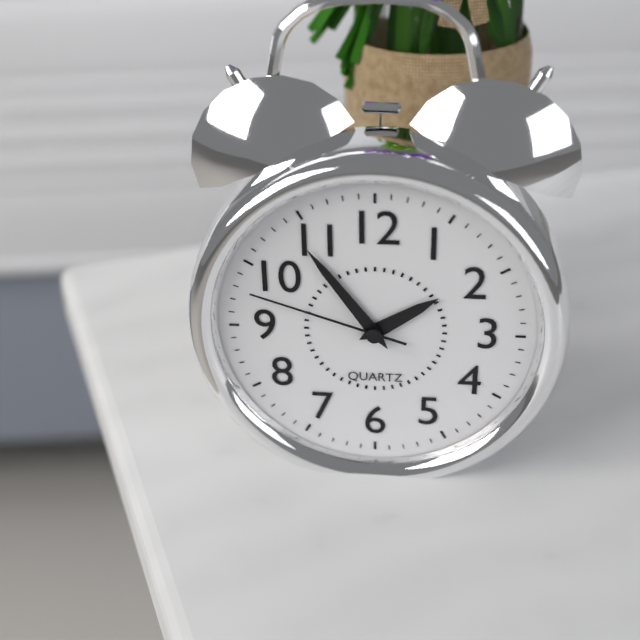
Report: **1:54:48**
